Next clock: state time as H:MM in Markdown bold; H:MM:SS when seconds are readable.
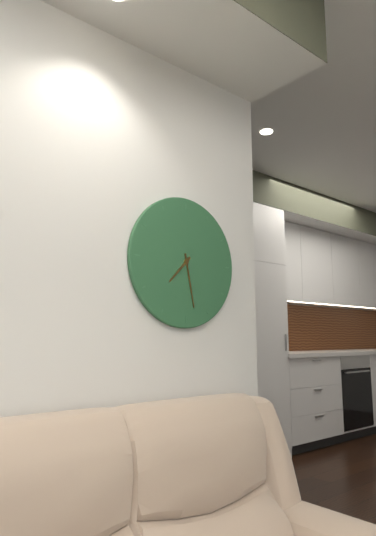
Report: **7:28**
